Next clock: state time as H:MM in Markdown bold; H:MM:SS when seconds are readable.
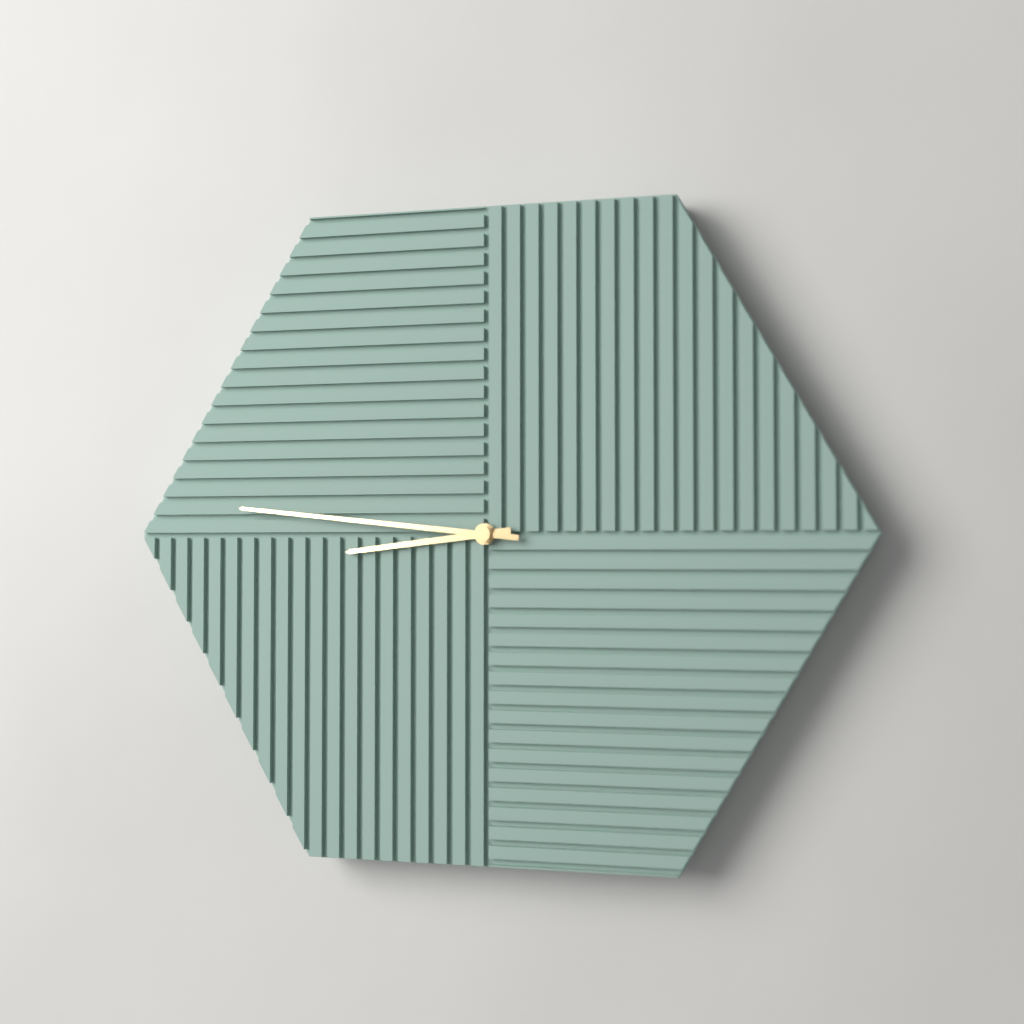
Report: **8:46**
